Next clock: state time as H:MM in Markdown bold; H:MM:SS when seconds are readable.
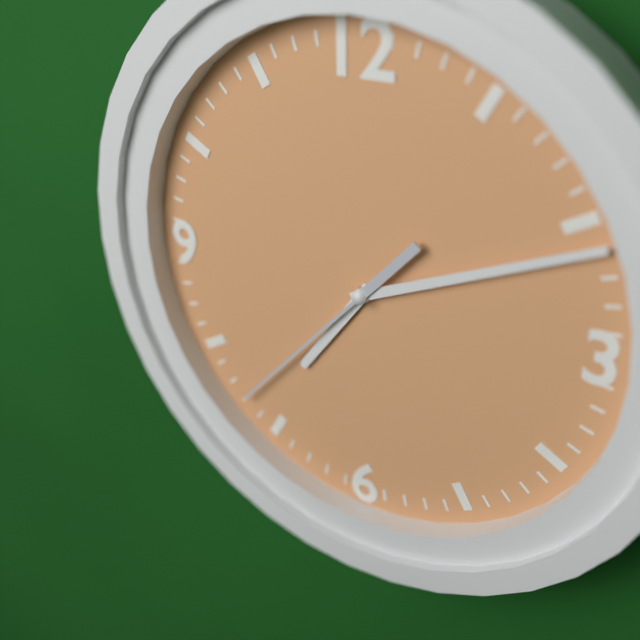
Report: **7:11:37**
